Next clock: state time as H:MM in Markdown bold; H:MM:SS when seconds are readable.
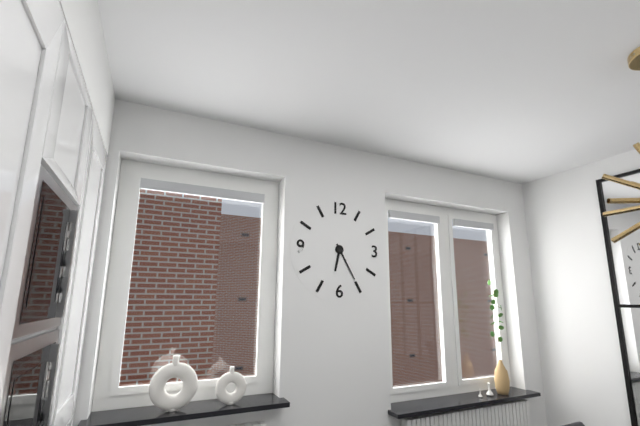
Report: **6:25**
